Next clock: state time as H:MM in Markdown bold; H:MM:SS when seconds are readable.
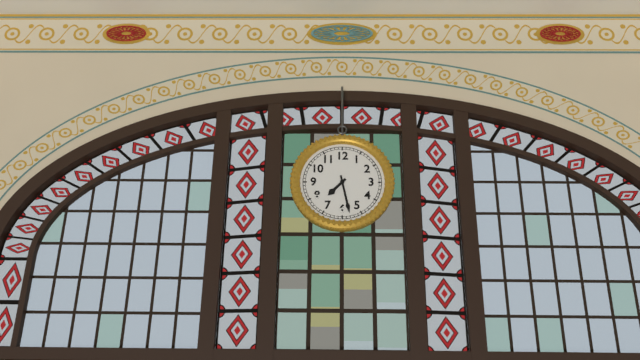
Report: **7:28**
